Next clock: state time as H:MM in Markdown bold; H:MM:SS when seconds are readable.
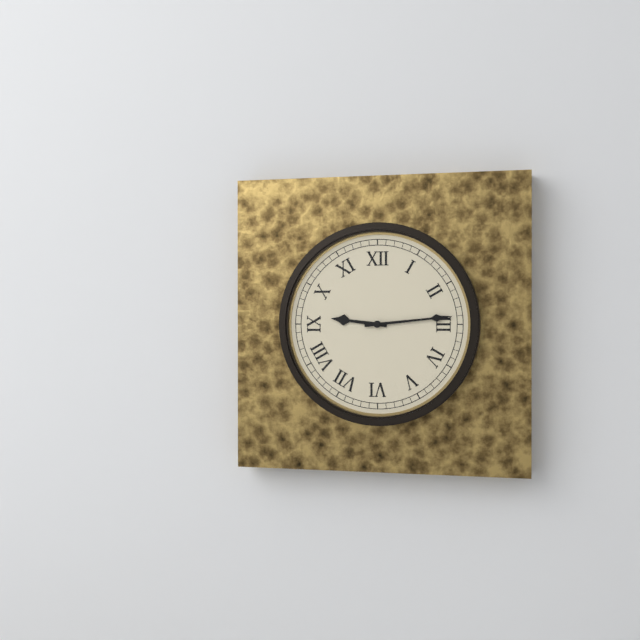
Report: **9:14**
